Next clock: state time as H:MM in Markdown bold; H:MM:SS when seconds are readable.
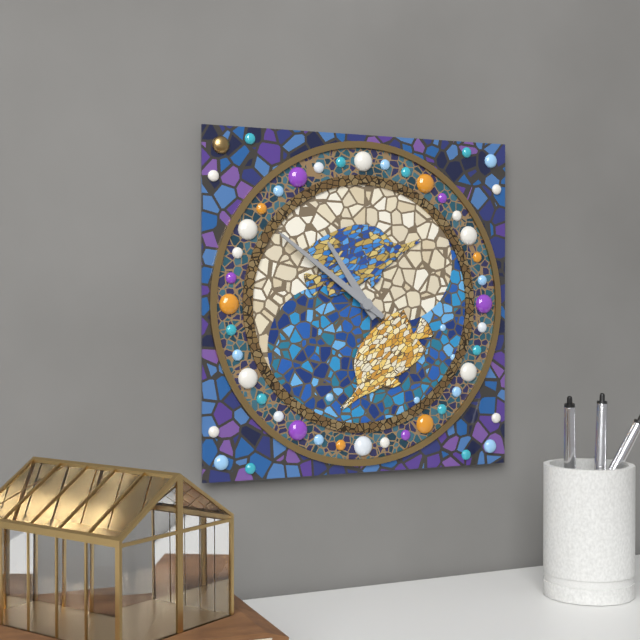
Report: **10:51**
